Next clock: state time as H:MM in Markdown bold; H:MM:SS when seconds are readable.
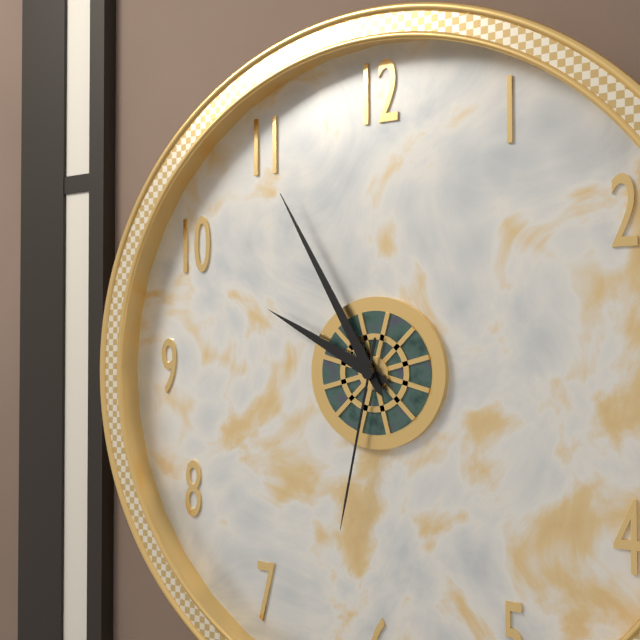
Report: **9:55:32**
